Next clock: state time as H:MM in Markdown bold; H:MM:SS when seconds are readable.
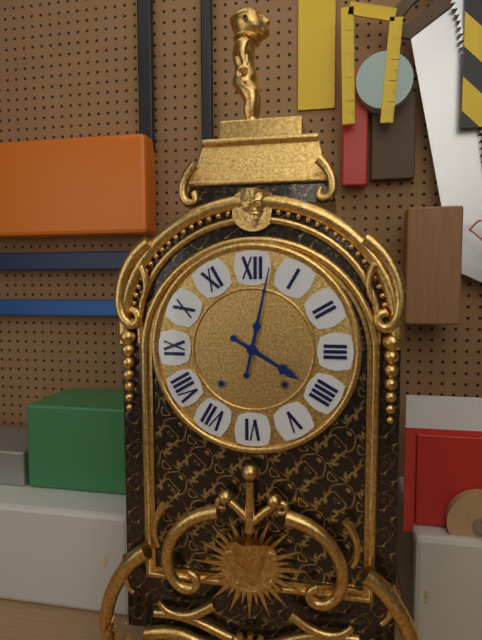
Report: **4:02**
